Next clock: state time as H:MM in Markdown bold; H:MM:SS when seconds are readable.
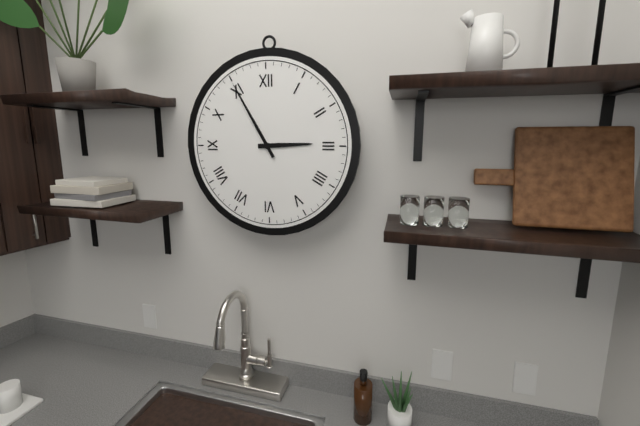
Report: **2:55**
